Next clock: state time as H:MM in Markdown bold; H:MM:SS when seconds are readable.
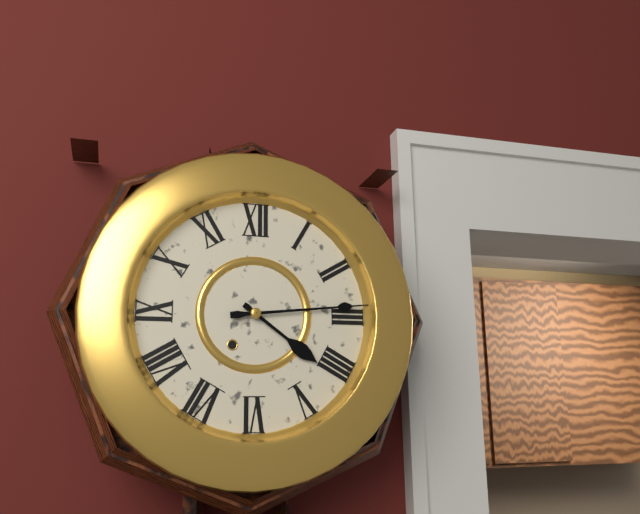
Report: **4:14**
